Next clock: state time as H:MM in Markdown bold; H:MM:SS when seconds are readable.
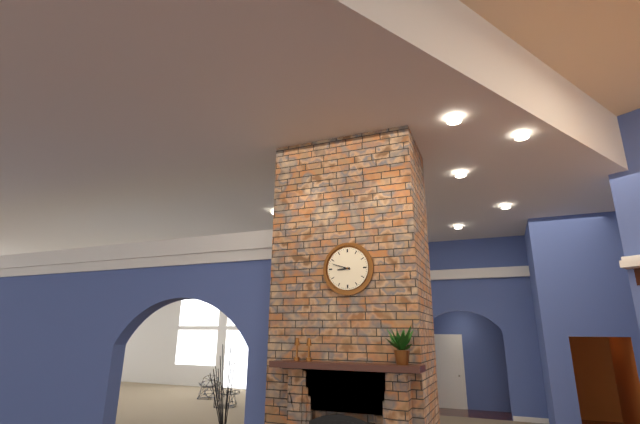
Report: **8:48**
